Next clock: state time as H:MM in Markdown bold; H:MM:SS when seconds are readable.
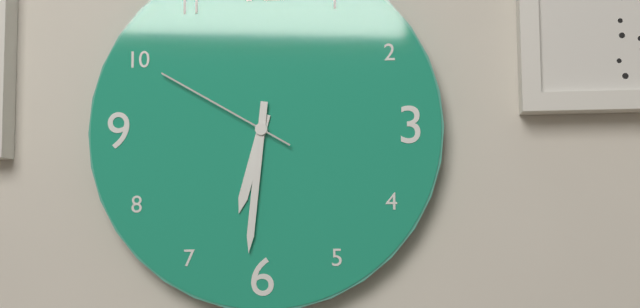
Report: **6:31:50**
